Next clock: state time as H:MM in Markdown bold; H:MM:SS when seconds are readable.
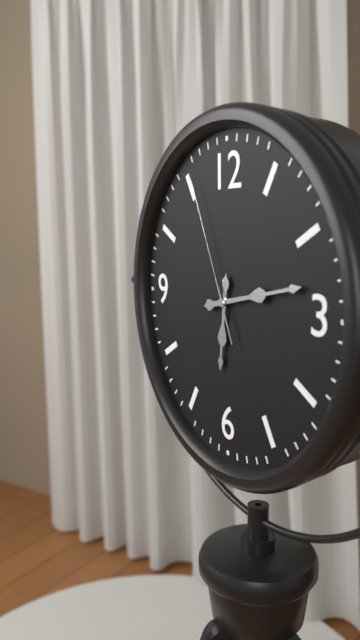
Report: **6:13:56**
